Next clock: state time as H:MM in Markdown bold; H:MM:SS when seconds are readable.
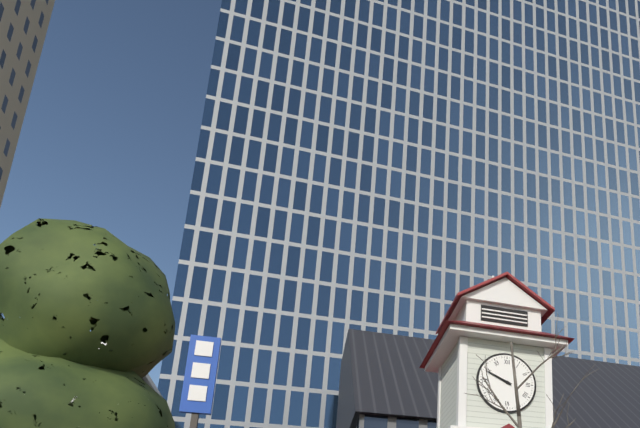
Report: **9:49**
